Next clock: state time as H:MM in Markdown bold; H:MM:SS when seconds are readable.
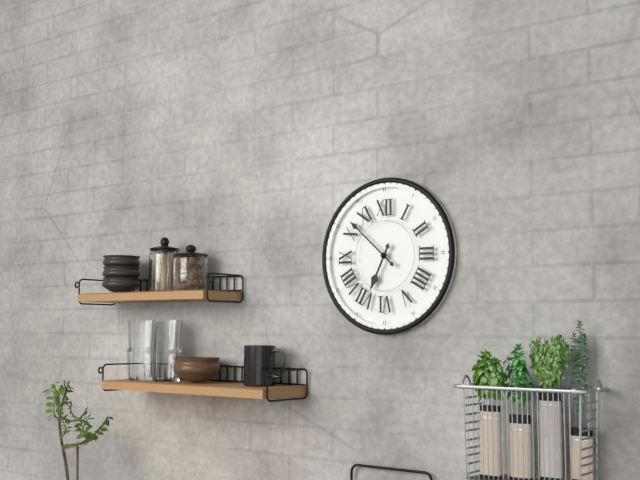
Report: **6:52**
